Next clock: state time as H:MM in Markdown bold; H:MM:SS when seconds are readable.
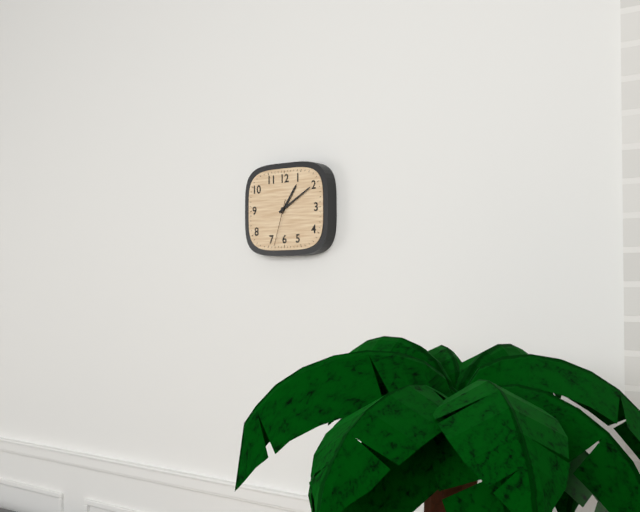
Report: **1:10:33**
